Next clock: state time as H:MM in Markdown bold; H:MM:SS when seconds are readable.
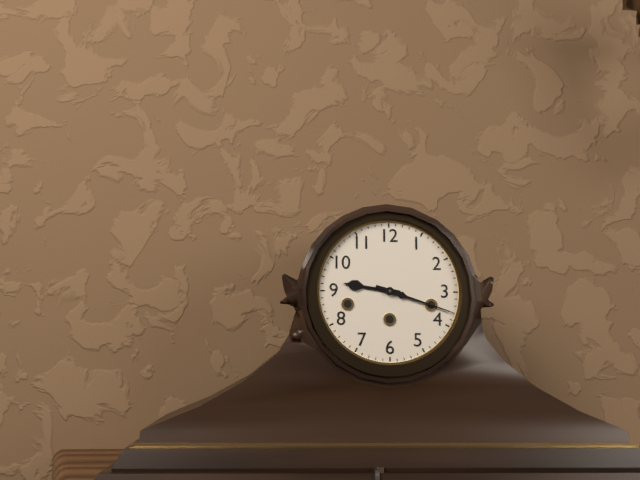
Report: **9:18**
